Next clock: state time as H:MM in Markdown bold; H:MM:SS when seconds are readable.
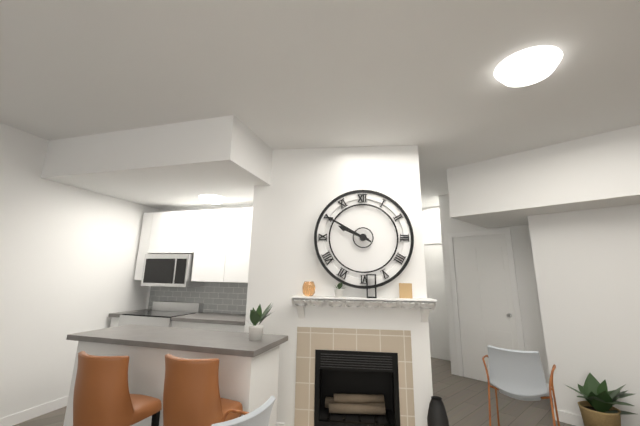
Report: **9:50**
